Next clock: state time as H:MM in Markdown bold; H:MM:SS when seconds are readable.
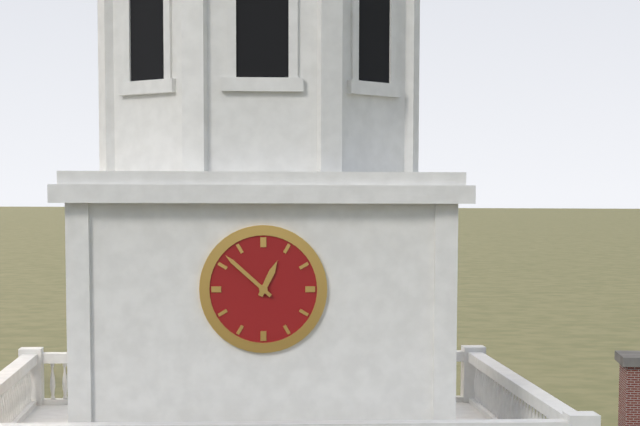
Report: **12:52**
